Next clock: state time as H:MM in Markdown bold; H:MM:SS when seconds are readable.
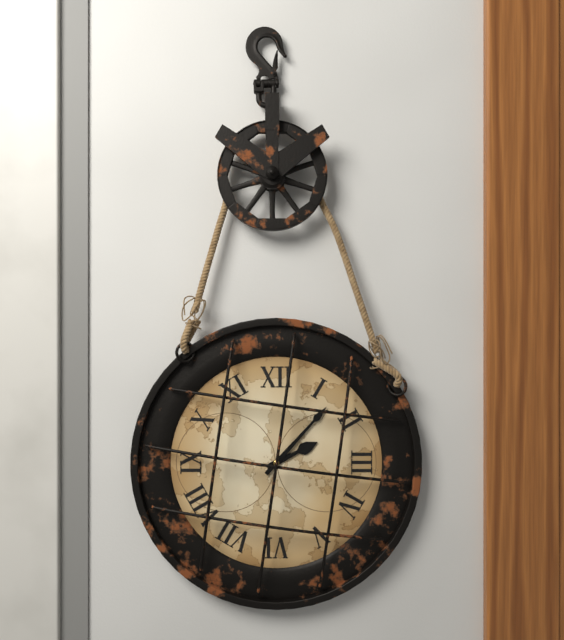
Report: **2:07**
